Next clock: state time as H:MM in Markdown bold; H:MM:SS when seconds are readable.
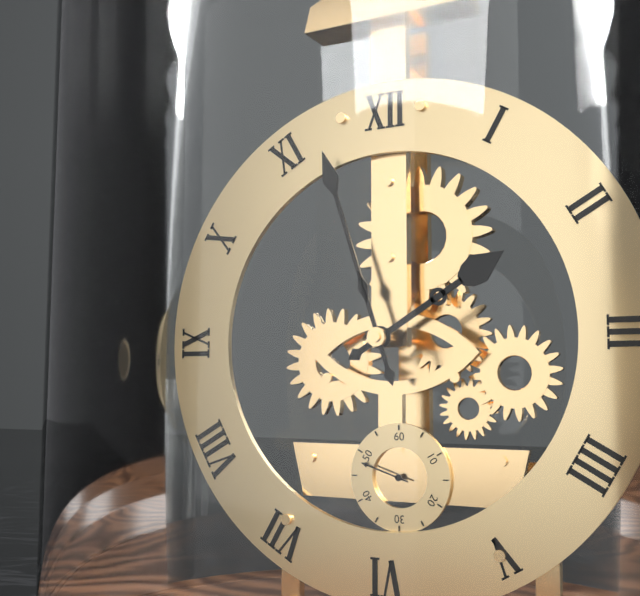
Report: **1:57:48**
